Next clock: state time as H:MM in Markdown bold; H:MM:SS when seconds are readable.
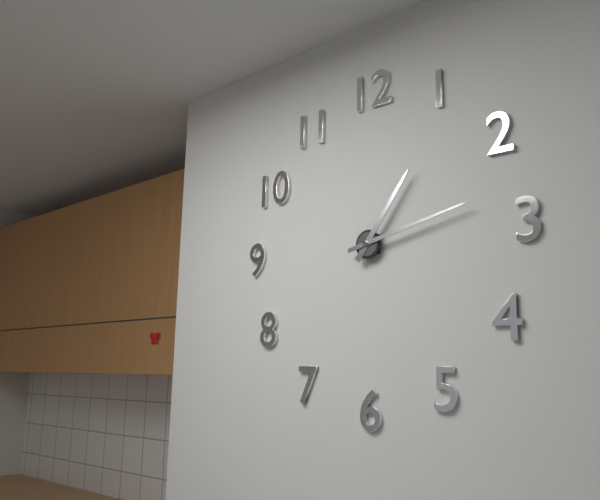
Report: **1:13**
